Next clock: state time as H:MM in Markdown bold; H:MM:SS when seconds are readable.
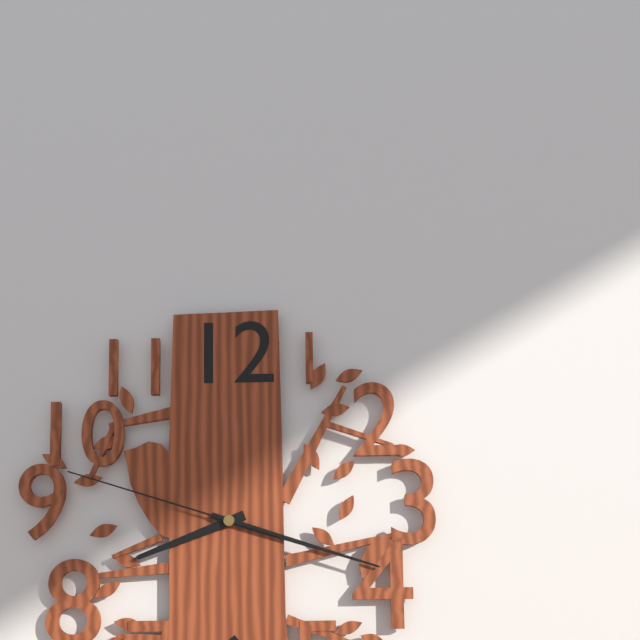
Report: **8:18:48**
